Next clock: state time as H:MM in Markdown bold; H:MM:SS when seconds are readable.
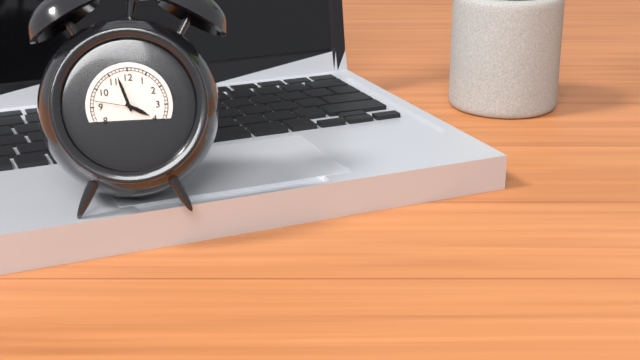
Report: **3:57**
